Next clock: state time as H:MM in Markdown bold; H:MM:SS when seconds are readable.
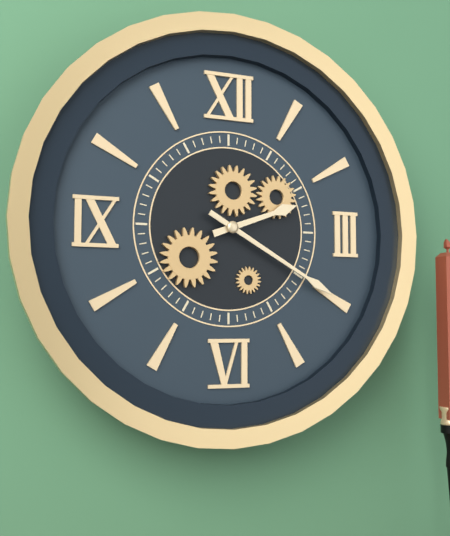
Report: **2:20**
